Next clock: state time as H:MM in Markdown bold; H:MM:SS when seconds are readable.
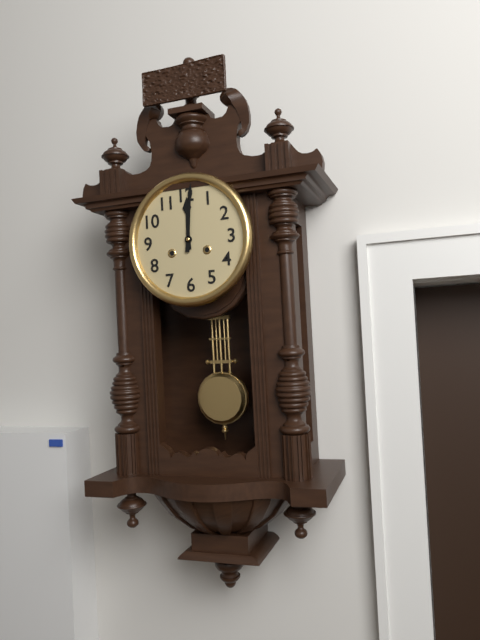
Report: **12:01**
